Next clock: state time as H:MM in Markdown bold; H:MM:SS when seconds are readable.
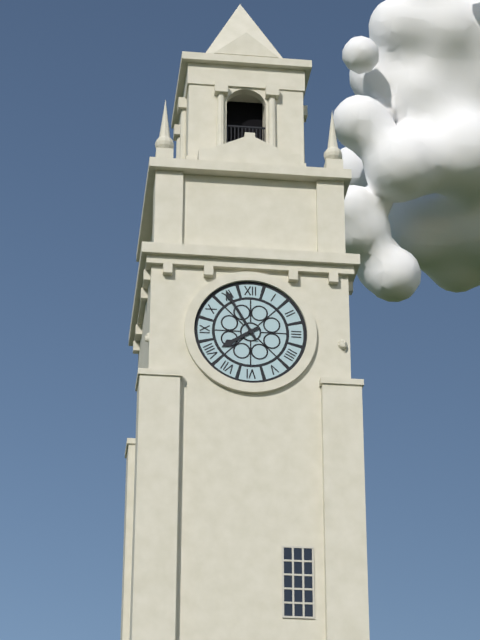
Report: **7:55**
